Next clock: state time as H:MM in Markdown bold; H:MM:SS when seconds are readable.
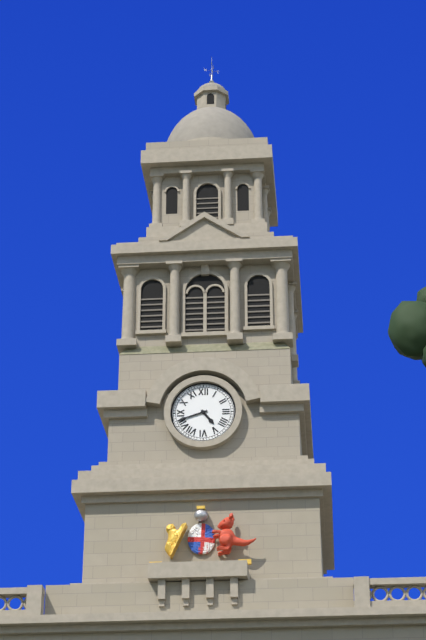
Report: **4:42**
